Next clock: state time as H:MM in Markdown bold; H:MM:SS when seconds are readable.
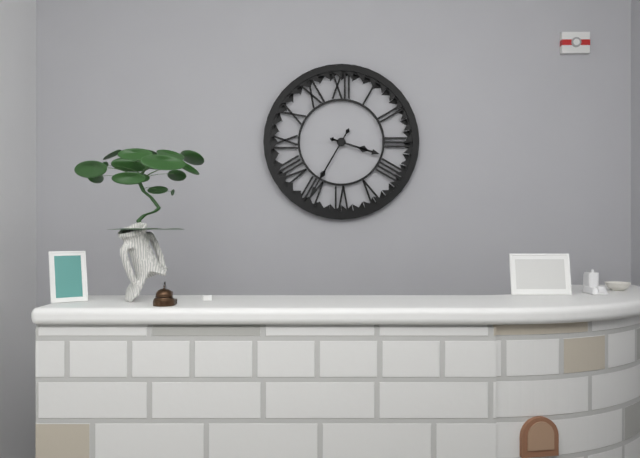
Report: **3:35**
